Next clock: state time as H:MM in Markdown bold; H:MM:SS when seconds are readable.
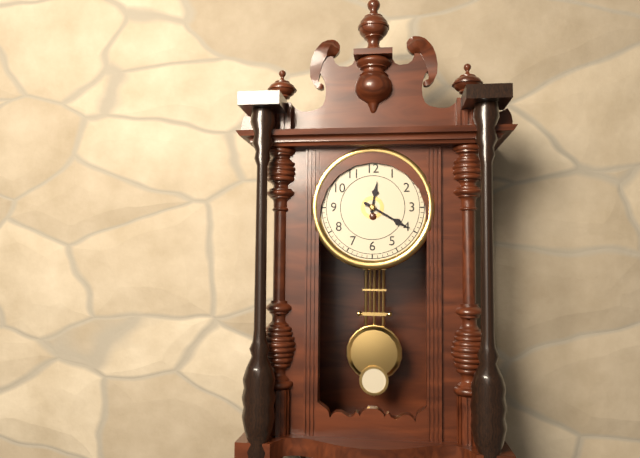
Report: **12:20**
